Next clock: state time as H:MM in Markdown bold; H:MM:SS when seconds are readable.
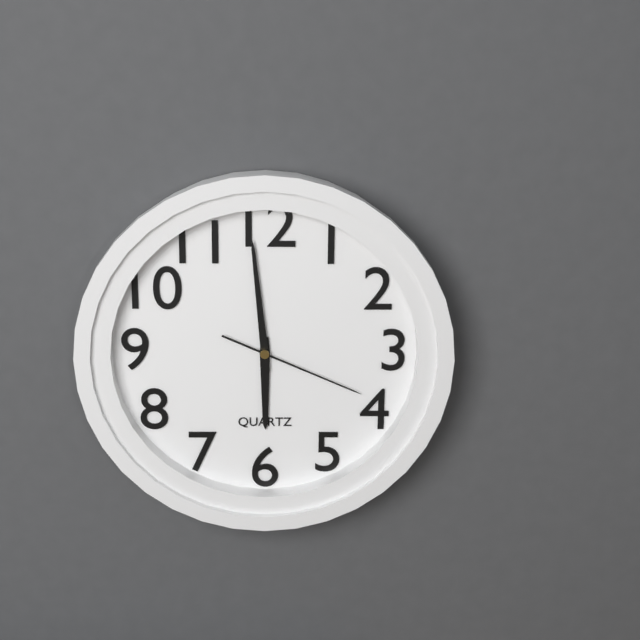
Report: **5:59:19**
